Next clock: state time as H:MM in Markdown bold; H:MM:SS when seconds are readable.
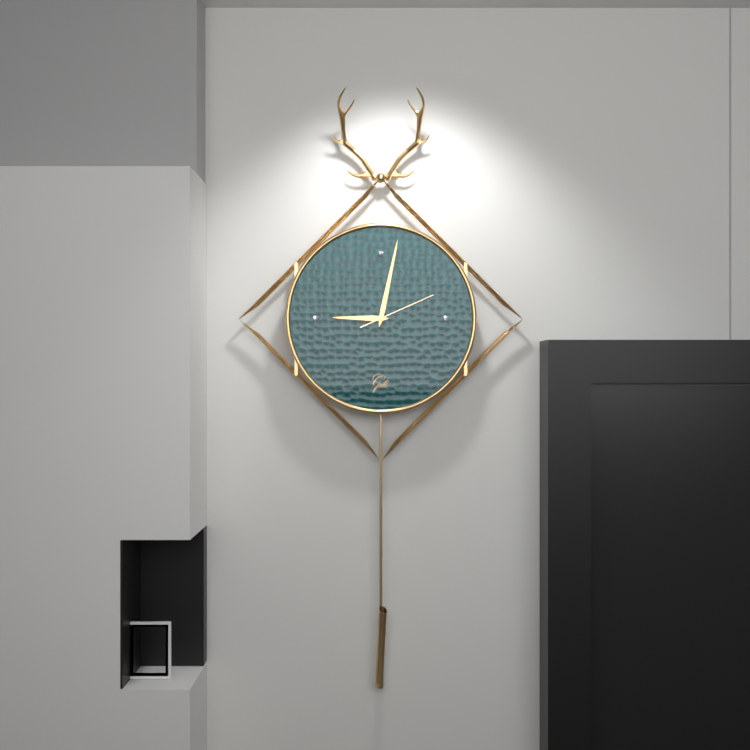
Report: **9:02:11**
